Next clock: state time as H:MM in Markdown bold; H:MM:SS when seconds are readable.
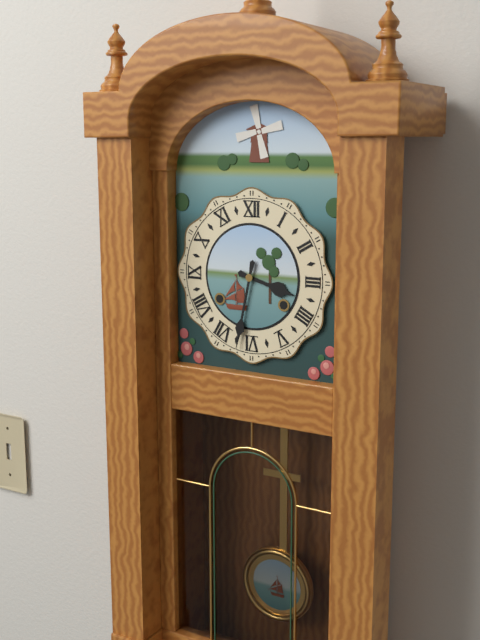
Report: **3:32**
